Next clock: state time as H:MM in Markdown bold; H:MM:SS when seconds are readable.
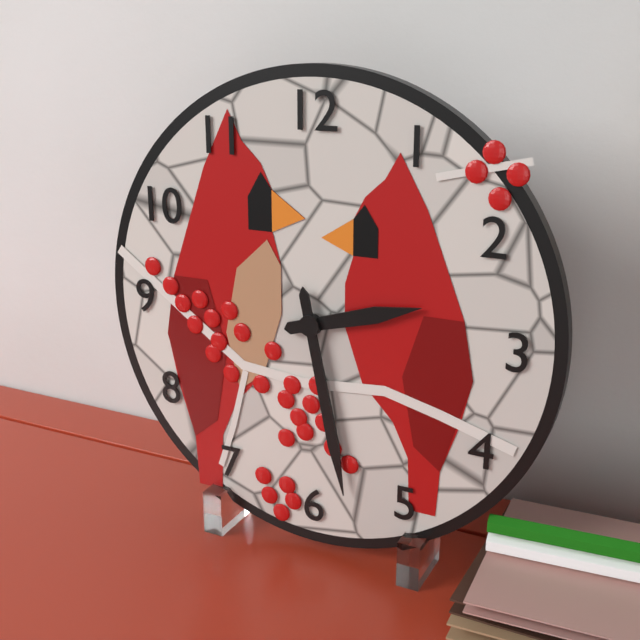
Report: **2:28**
